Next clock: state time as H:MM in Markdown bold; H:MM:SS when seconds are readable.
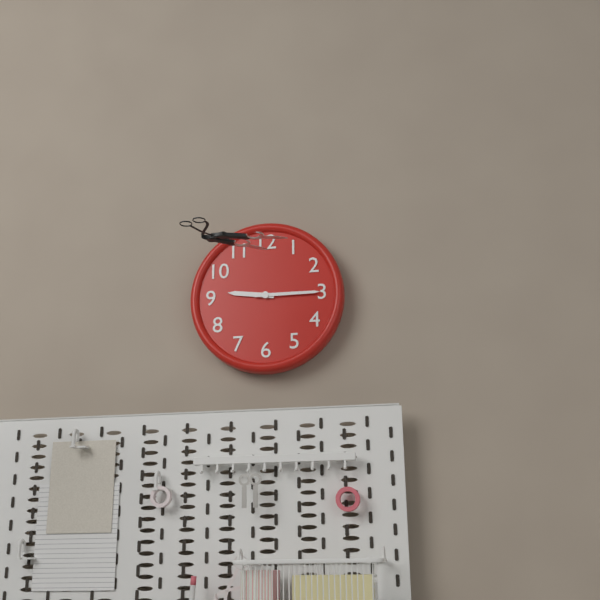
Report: **9:15**
